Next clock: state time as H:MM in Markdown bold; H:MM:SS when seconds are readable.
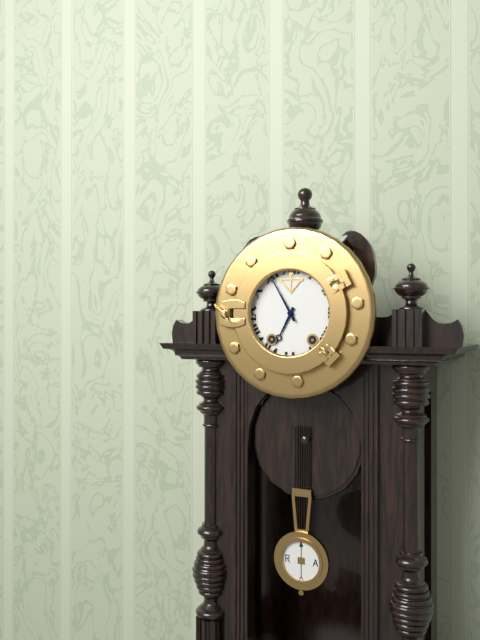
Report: **6:55**
